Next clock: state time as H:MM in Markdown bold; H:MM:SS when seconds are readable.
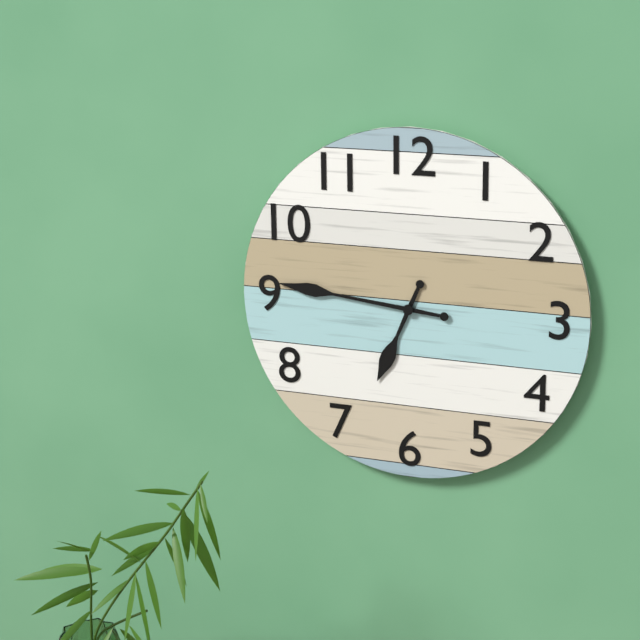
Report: **6:46**
